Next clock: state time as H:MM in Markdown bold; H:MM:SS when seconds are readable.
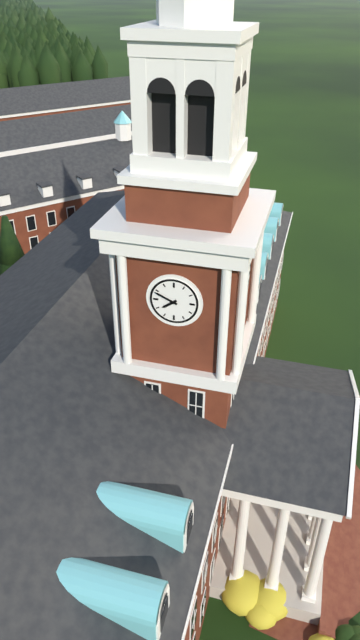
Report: **7:49**
